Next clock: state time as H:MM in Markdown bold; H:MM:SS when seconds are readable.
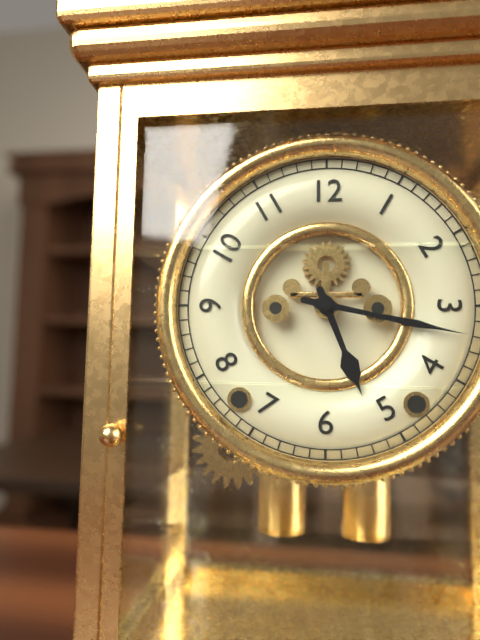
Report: **5:17**
